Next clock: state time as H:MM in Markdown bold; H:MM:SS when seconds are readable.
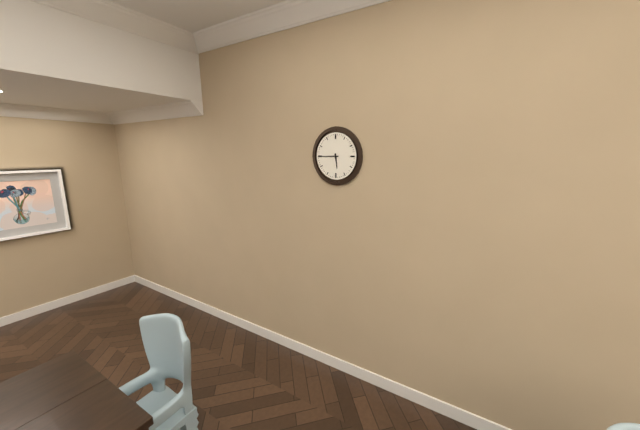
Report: **5:45**
